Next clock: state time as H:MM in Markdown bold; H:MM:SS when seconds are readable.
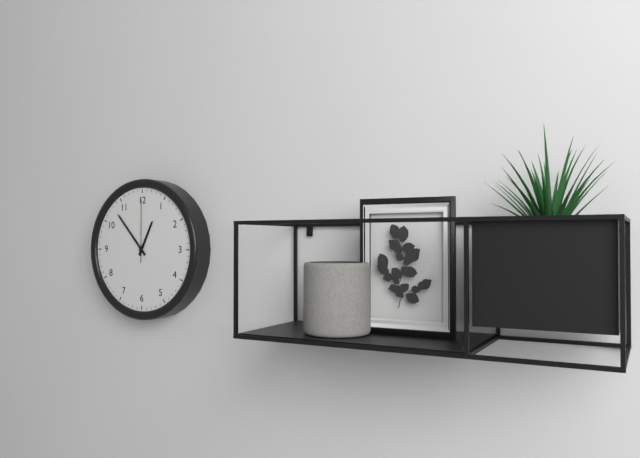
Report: **12:53:00**
